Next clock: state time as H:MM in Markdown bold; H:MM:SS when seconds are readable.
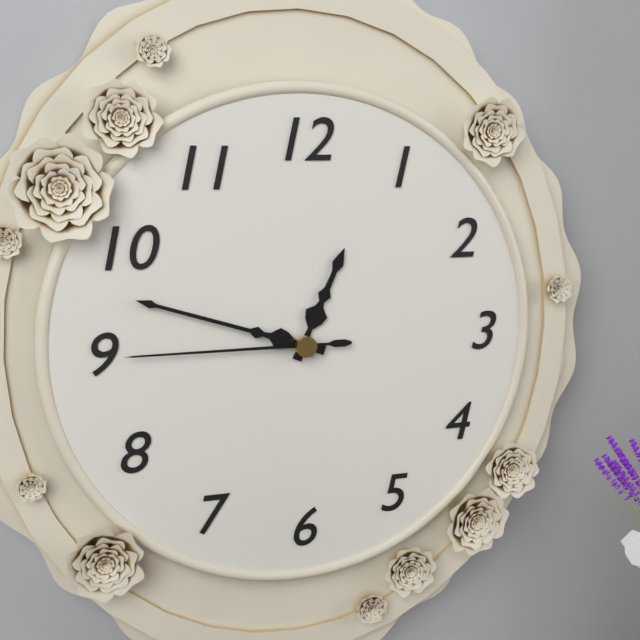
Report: **12:48:45**
